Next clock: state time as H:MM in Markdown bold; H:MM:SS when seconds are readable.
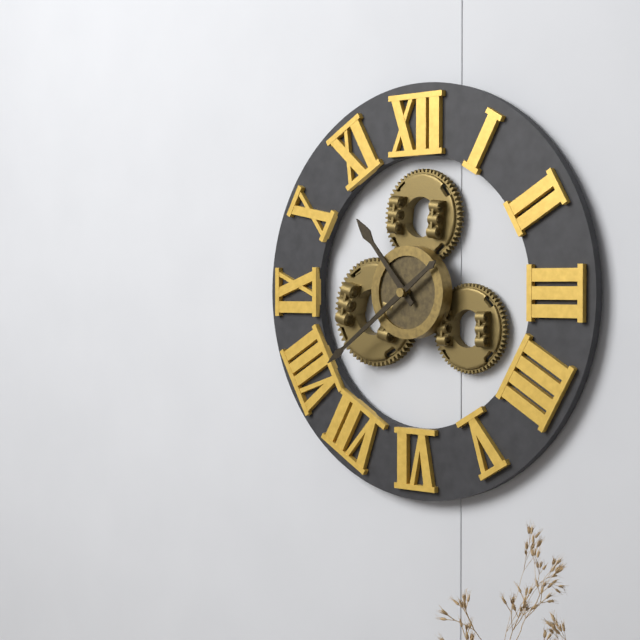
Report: **10:39**
